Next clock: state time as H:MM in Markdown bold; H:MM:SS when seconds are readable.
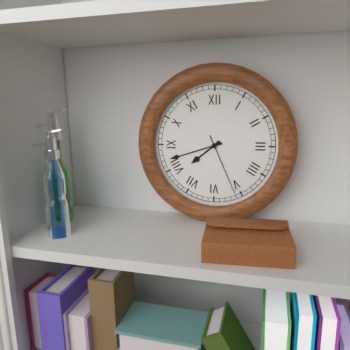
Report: **7:42:26**
